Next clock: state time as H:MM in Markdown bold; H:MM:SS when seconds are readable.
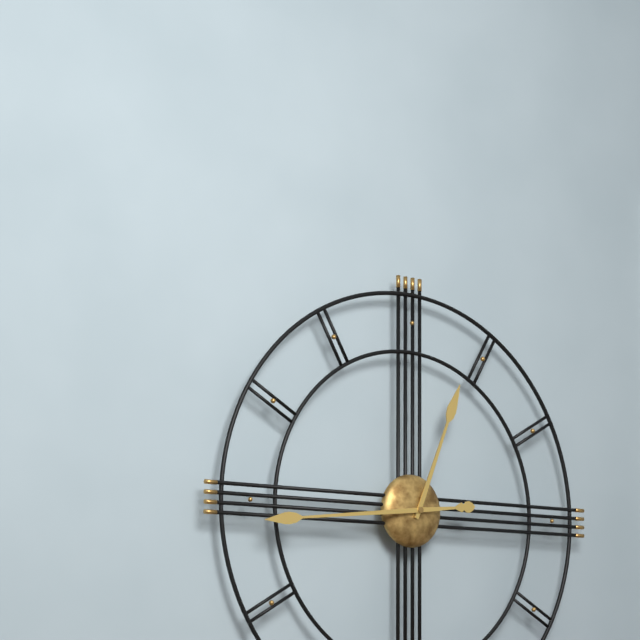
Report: **12:44**
